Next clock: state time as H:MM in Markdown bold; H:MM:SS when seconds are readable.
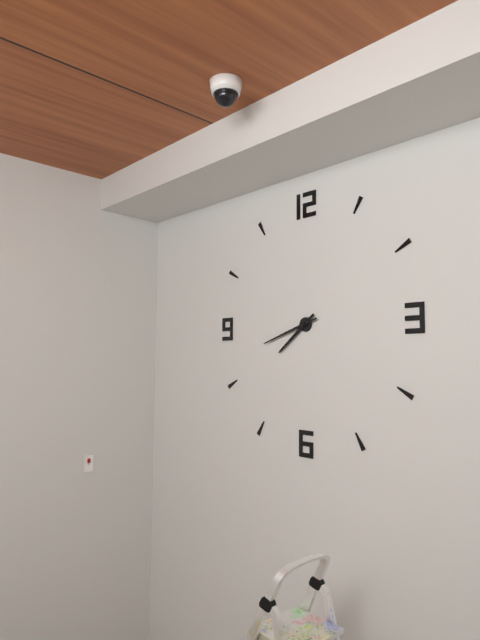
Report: **7:42**
